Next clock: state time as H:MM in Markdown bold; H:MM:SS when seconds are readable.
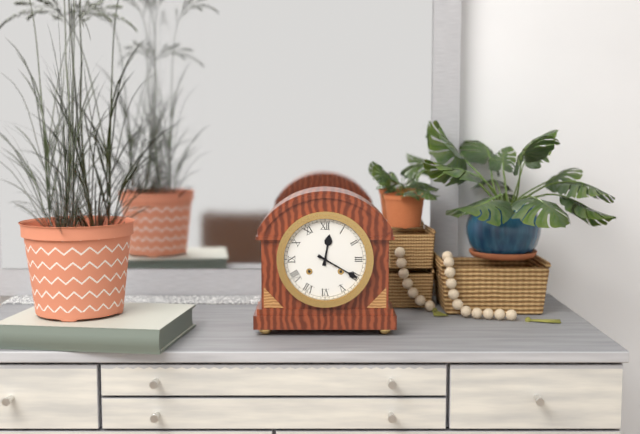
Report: **12:20**
